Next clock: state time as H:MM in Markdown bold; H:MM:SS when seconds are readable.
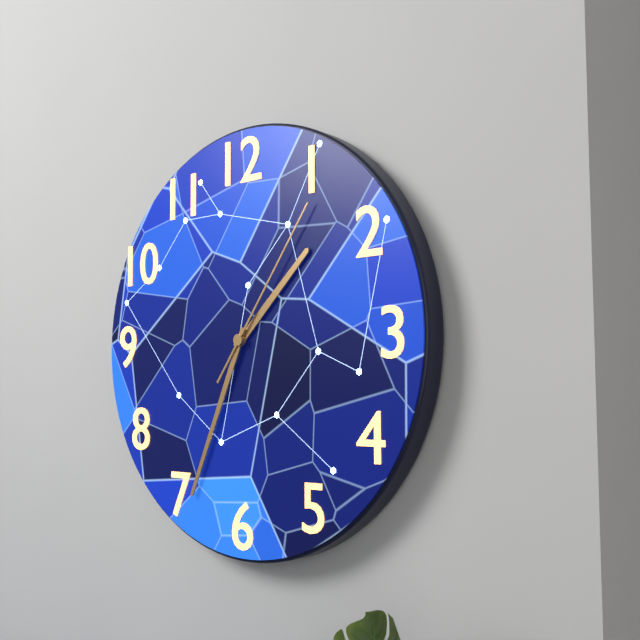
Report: **1:34:06**
